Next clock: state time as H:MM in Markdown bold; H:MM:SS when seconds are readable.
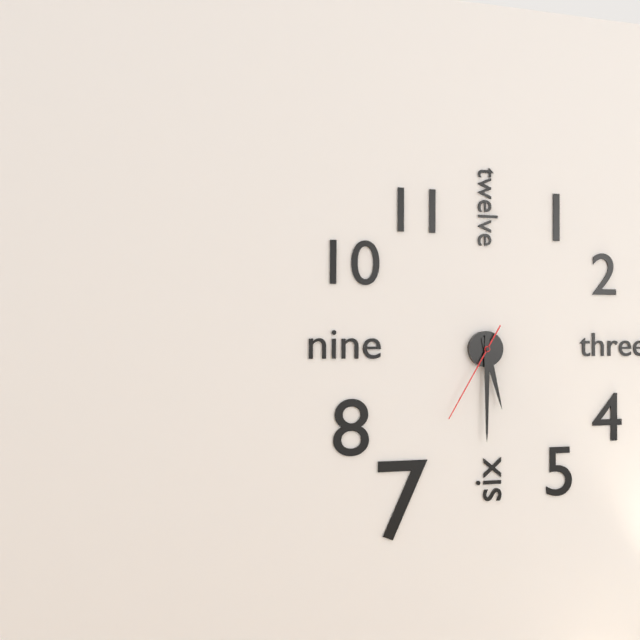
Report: **5:30:35**
